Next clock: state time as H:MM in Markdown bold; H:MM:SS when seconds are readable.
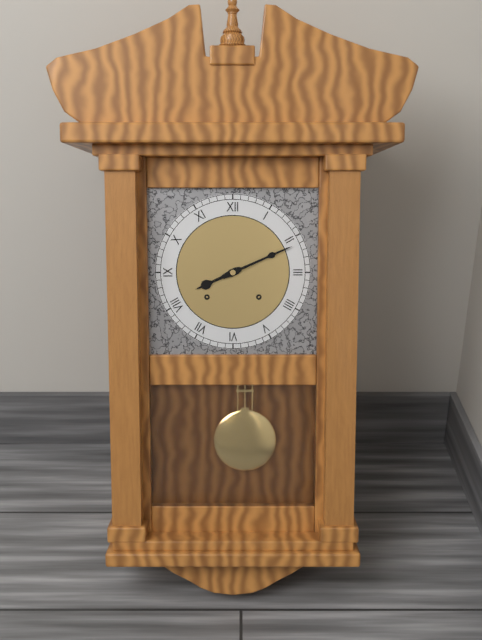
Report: **8:11**
